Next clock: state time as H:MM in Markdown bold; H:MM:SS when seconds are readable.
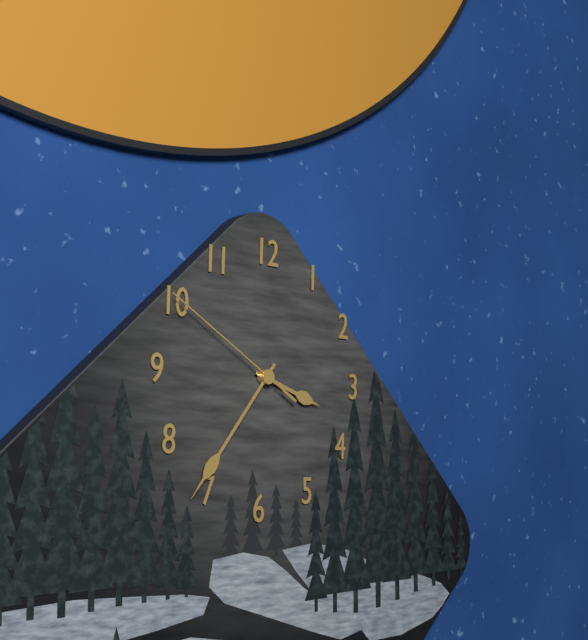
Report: **3:36:50**
